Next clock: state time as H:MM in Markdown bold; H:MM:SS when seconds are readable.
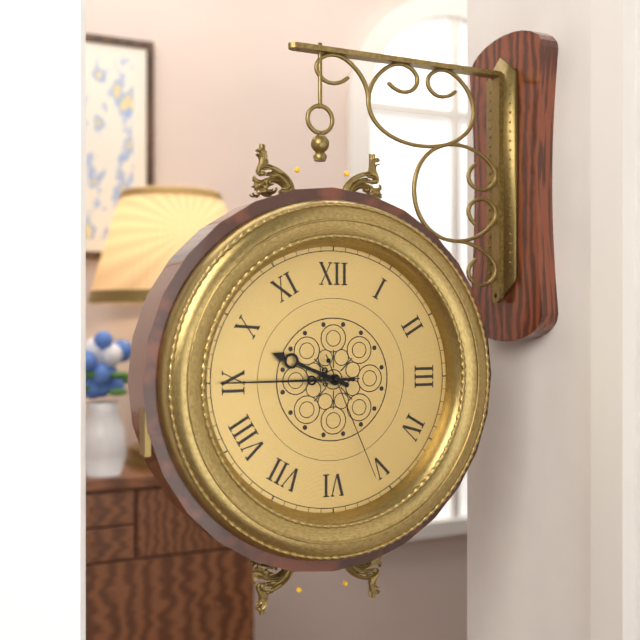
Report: **9:45:26**
